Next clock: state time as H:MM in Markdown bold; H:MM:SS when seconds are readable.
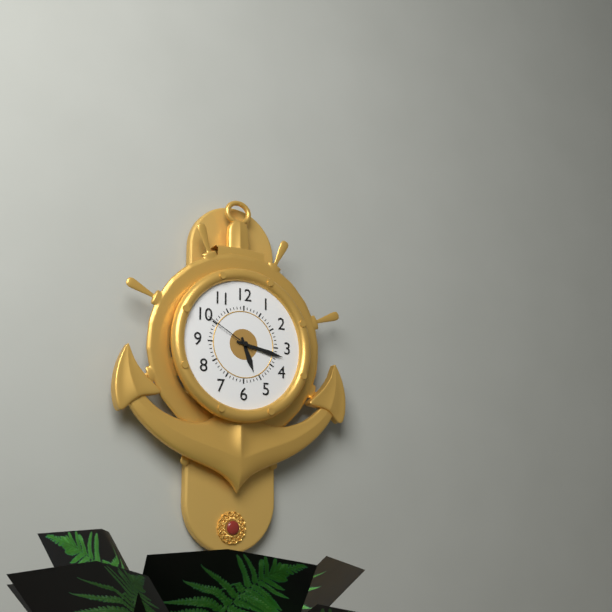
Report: **5:17:50**
